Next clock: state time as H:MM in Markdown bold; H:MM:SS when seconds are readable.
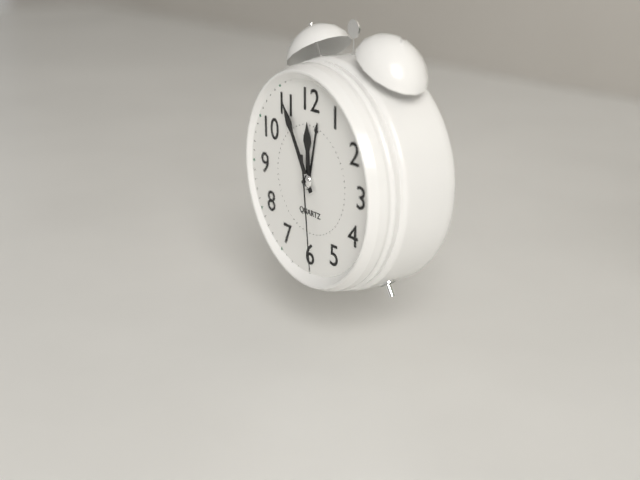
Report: **11:55:29**
